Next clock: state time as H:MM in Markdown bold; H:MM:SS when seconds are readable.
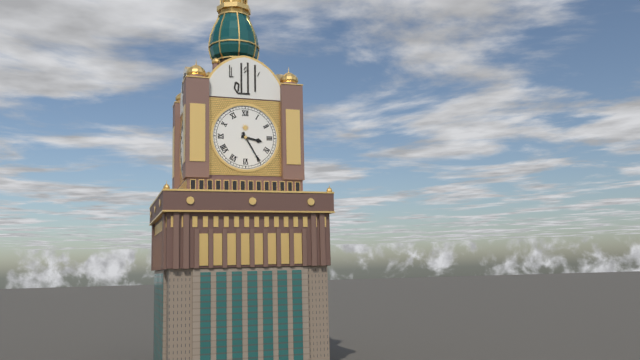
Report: **3:25**
